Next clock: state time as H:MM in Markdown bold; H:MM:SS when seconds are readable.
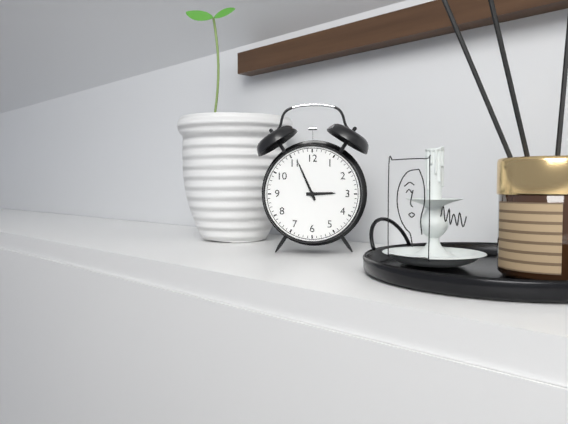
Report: **2:56**
